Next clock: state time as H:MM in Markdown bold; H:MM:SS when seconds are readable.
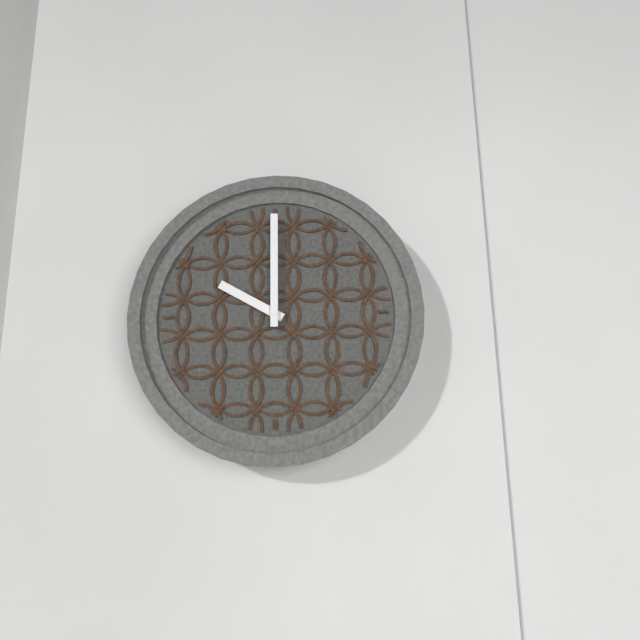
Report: **10:00**
